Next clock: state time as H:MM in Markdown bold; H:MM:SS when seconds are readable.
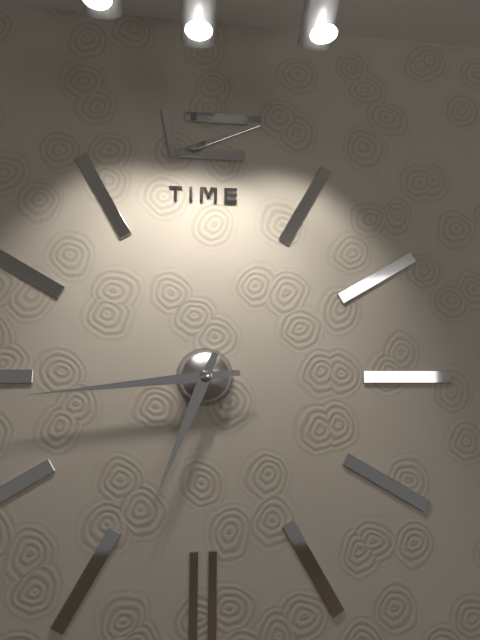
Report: **6:44**
